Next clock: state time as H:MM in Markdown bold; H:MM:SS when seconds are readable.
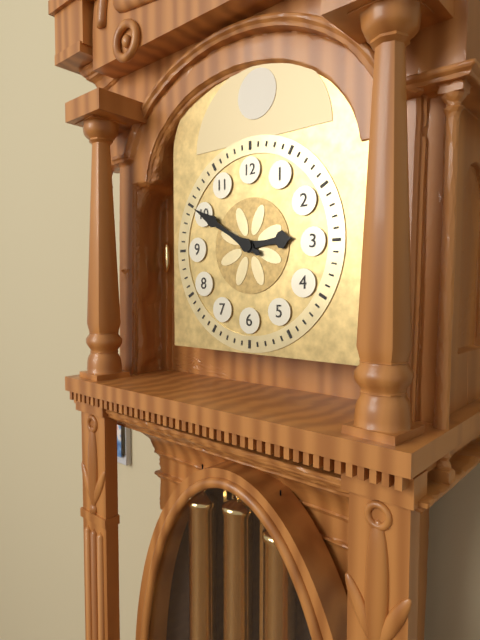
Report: **2:50**
